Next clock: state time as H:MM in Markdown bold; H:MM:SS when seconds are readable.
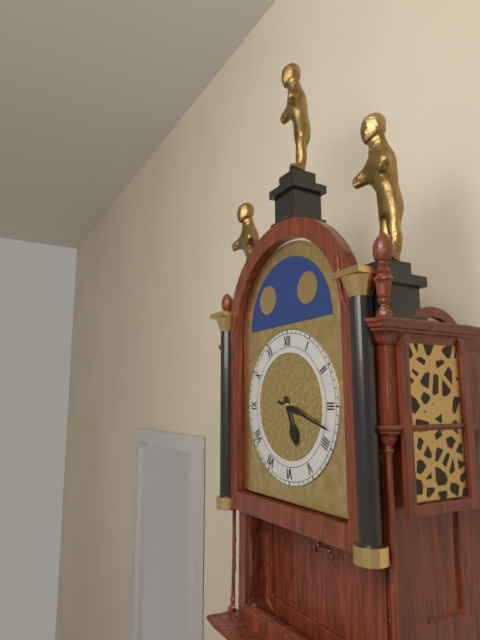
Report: **5:18**
